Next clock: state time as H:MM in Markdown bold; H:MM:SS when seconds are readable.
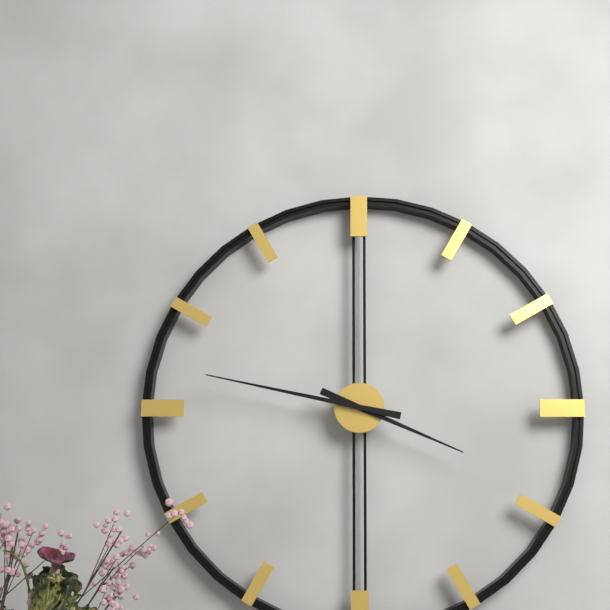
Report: **3:47**
